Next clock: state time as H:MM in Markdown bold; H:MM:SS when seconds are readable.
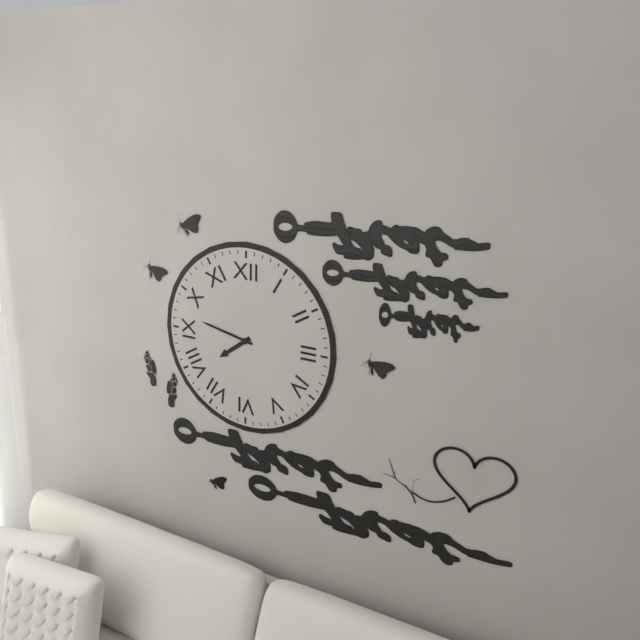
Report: **7:47**
